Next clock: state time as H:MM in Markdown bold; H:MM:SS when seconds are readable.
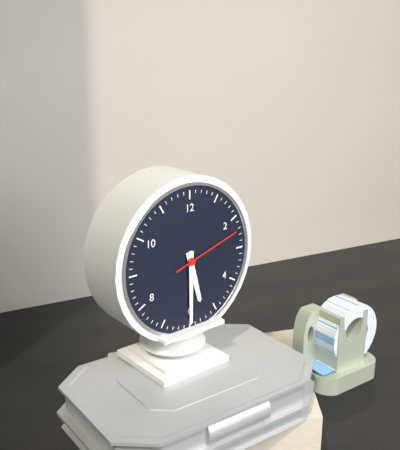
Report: **5:30:12**
